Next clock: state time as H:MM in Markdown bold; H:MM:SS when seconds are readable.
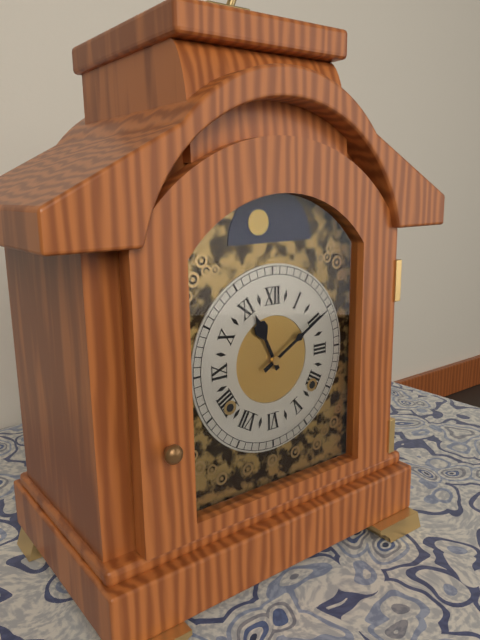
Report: **11:10**
